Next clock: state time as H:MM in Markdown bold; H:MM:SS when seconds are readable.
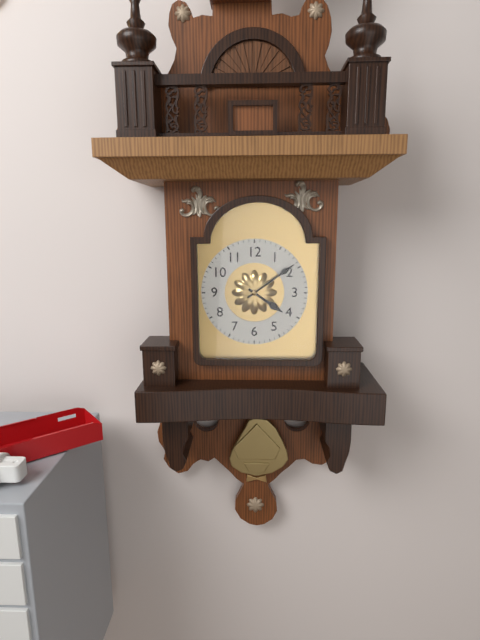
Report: **4:09**
